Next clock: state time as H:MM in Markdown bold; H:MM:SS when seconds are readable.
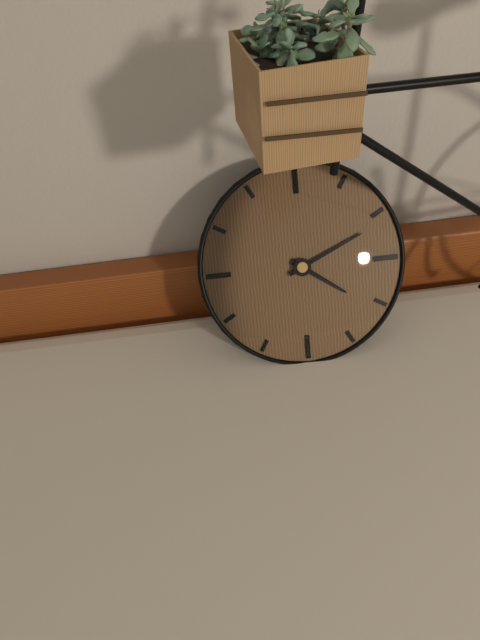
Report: **4:11**
